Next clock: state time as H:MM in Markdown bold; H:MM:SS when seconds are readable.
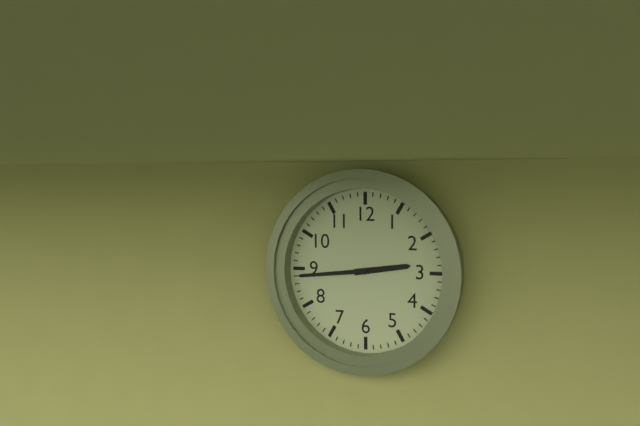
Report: **2:44**
